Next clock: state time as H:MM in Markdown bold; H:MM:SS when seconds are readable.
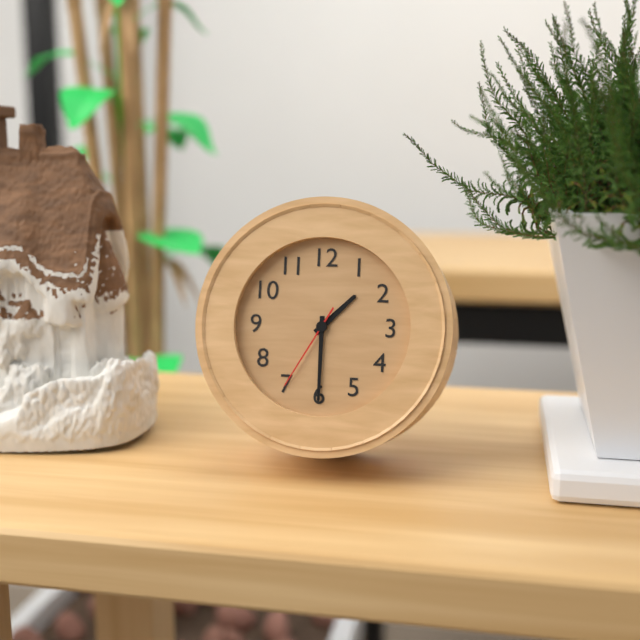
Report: **1:30:35**
